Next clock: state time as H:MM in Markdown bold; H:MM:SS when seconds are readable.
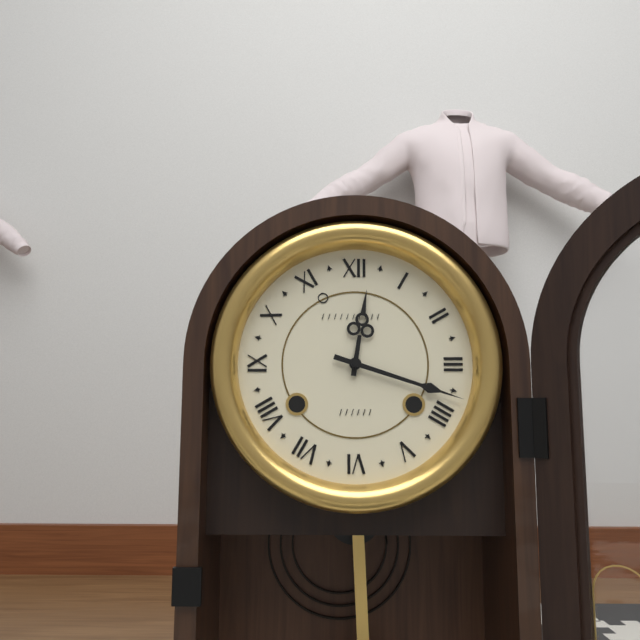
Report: **12:18**
